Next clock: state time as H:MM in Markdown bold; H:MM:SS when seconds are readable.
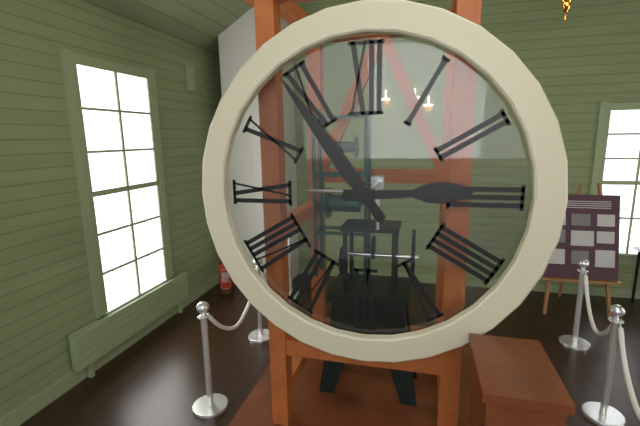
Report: **2:54**
